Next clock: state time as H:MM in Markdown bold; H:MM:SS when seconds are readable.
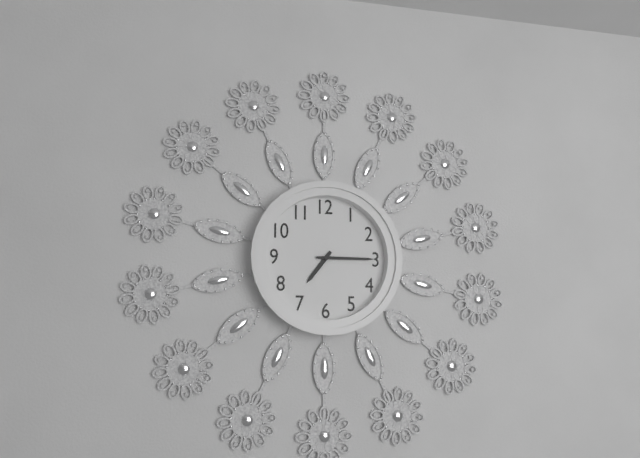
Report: **7:15**
